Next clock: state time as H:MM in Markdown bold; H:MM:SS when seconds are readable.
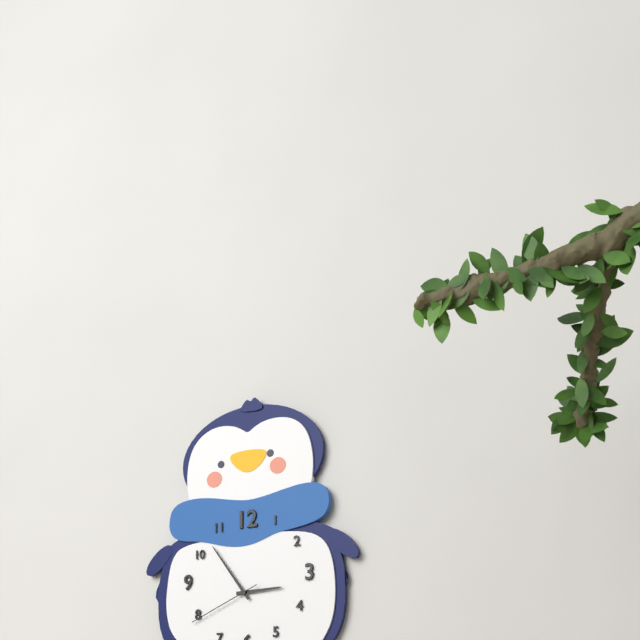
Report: **2:54:41**
